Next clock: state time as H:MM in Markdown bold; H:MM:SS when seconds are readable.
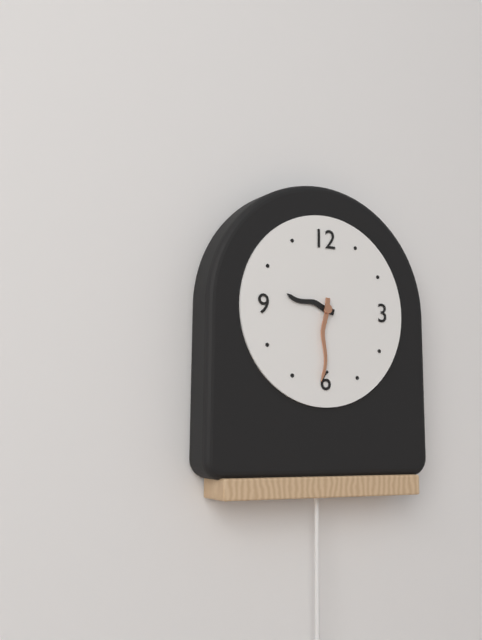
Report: **9:31**
